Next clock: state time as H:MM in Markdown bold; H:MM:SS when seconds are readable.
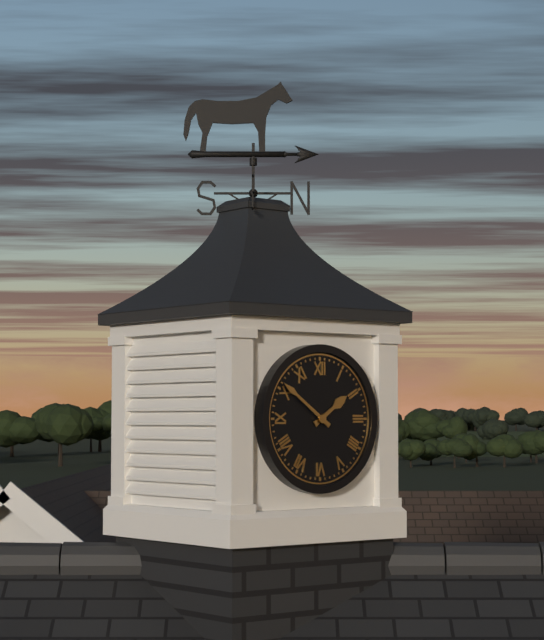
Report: **1:51**
